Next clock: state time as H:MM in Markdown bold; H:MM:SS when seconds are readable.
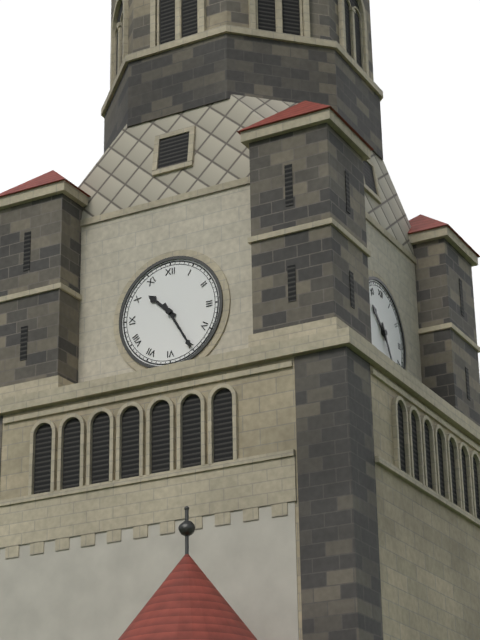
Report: **10:25**
